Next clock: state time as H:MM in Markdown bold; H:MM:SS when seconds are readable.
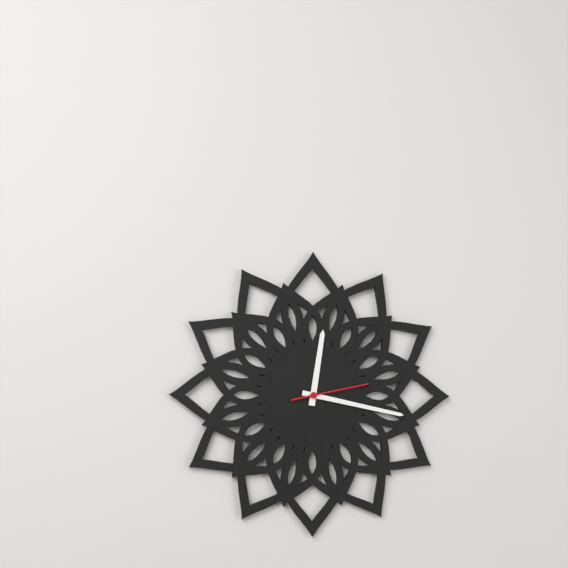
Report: **12:17:13**
